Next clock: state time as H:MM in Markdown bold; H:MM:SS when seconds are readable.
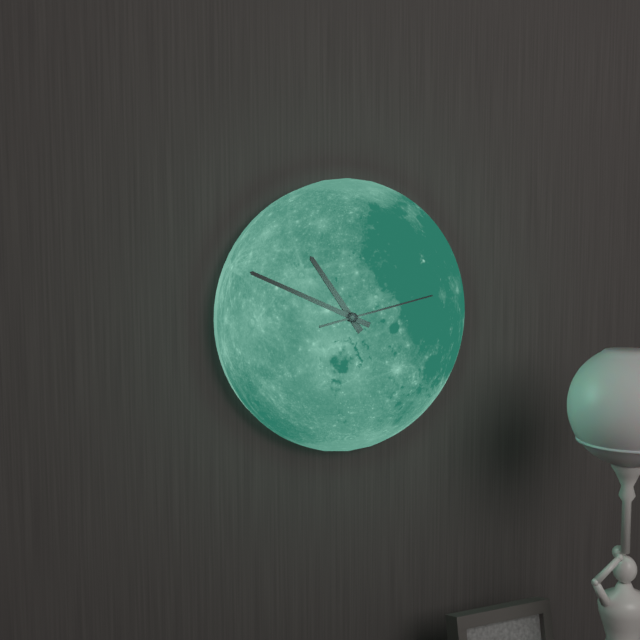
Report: **10:49:13**
